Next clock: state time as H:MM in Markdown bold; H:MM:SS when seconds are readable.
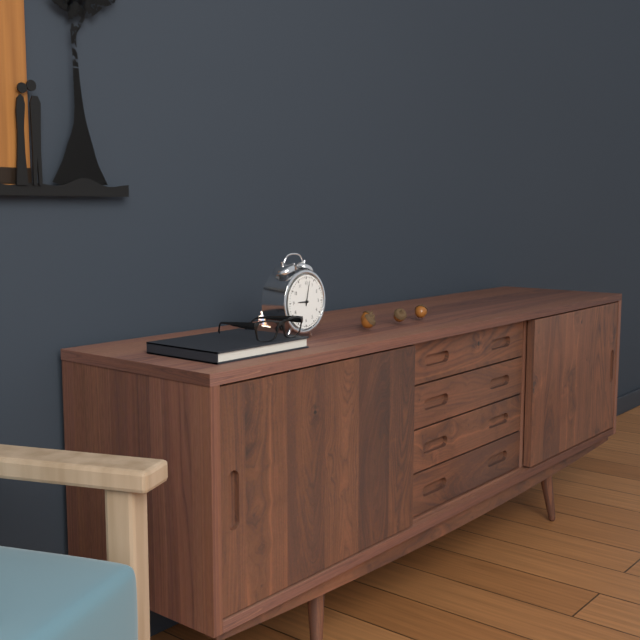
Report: **9:02**
